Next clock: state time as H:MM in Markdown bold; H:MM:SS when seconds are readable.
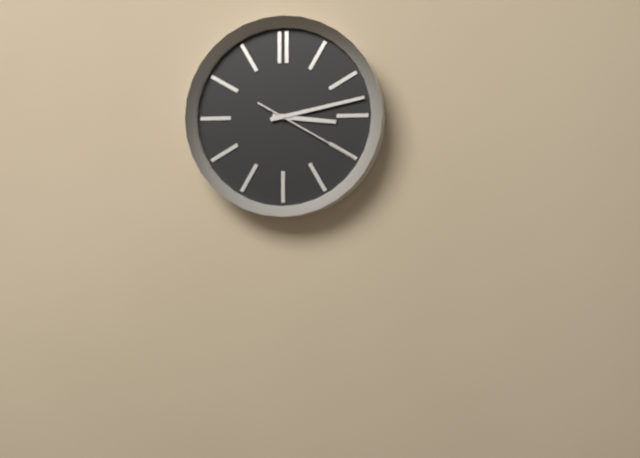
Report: **3:13:20**
